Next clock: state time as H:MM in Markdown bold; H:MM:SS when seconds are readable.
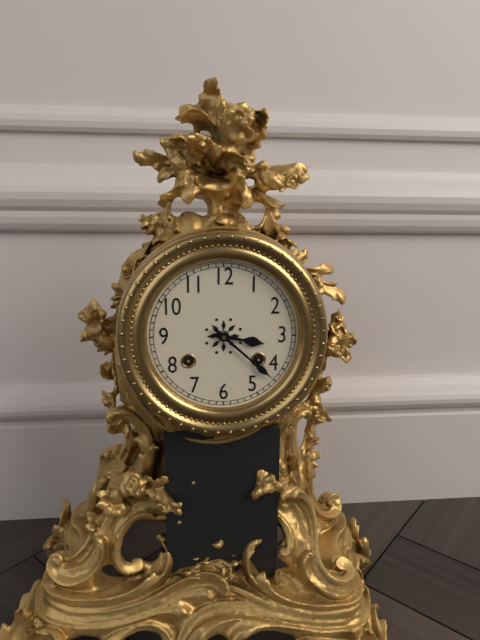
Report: **3:22**
